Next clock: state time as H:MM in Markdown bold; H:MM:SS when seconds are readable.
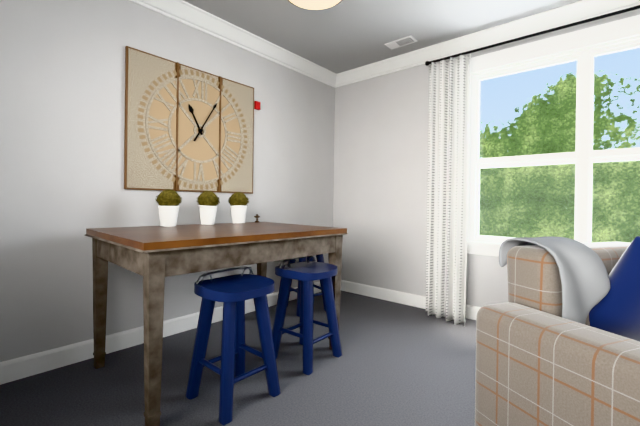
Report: **11:05**
